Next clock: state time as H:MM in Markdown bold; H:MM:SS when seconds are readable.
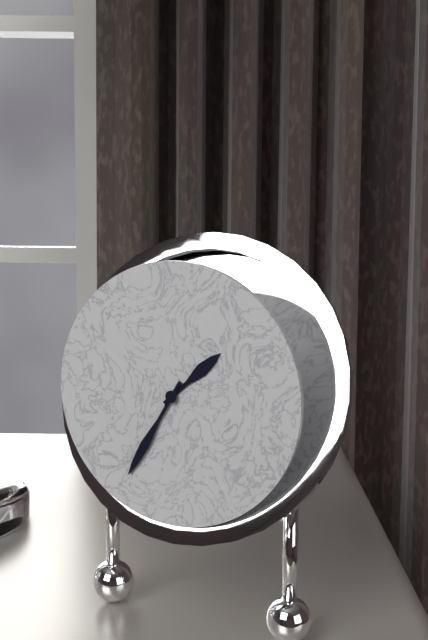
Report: **1:35**
